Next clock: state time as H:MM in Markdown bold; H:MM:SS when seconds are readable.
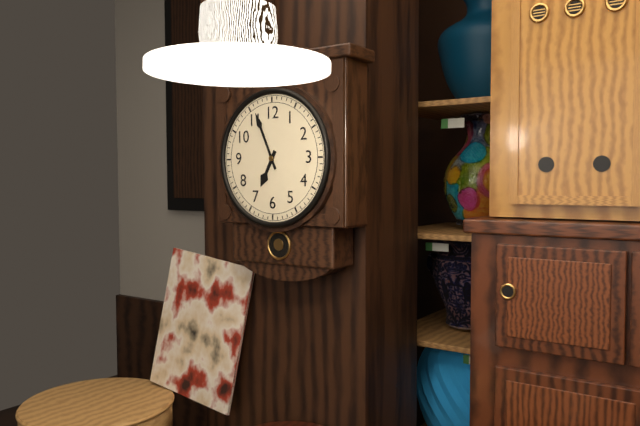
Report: **6:56**
